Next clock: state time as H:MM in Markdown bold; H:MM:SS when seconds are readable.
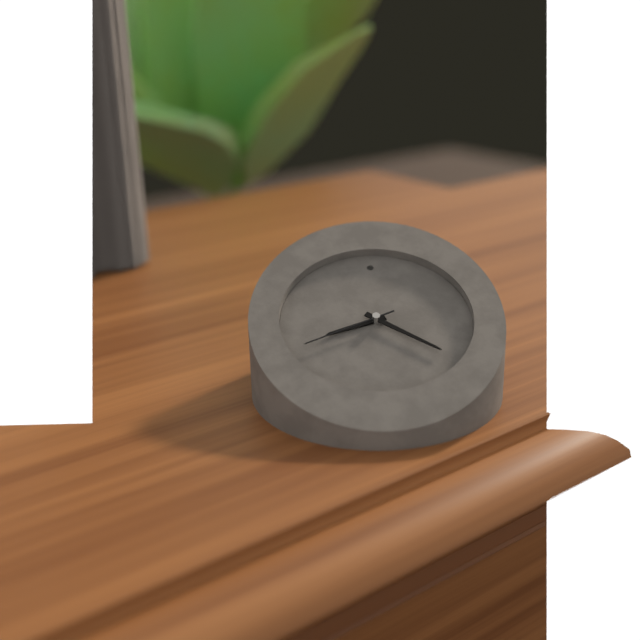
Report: **8:21:41**
